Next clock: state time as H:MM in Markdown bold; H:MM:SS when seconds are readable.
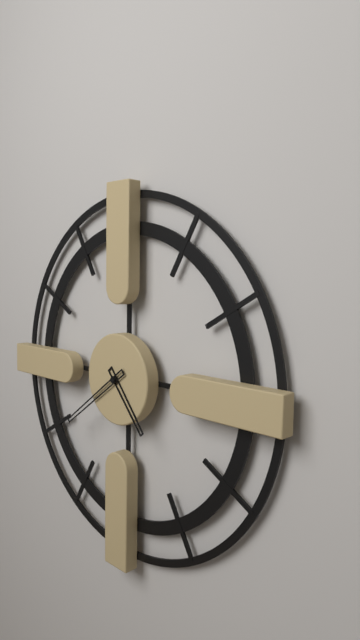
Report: **4:39**
